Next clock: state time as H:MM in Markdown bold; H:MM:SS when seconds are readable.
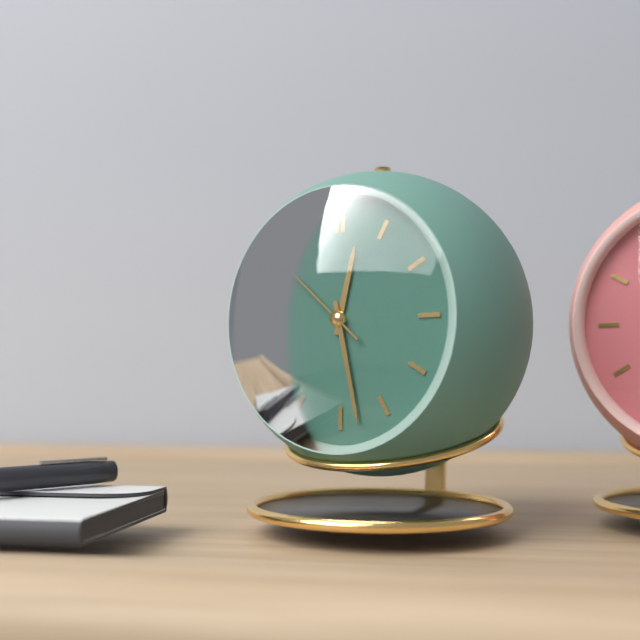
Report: **12:28:52**
